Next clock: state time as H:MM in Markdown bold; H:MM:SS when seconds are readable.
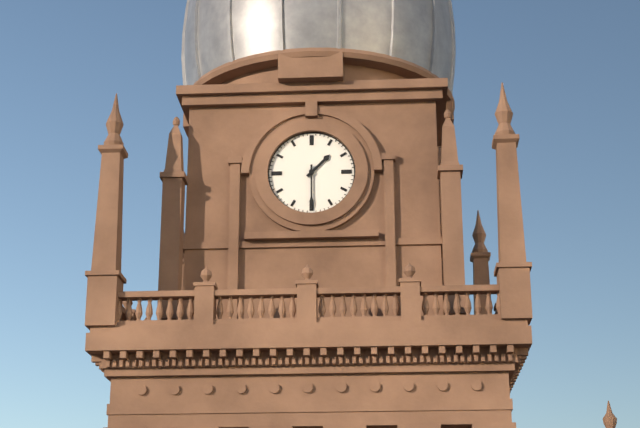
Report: **1:30**
